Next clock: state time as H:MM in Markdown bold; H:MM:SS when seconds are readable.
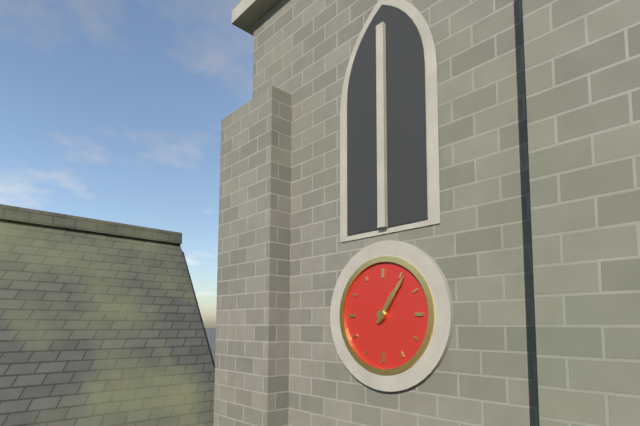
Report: **1:06**
